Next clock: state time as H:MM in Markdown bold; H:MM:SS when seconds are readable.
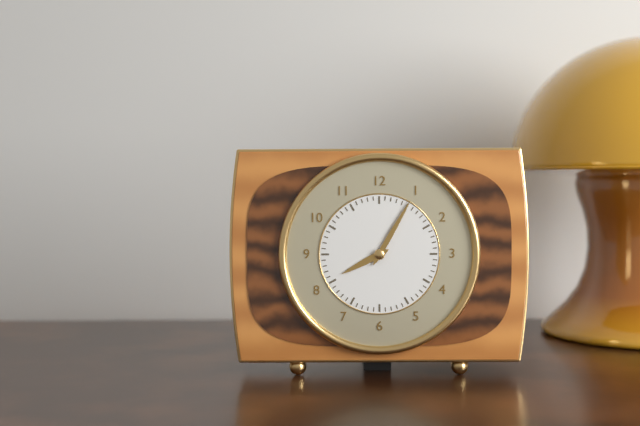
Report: **8:05**
